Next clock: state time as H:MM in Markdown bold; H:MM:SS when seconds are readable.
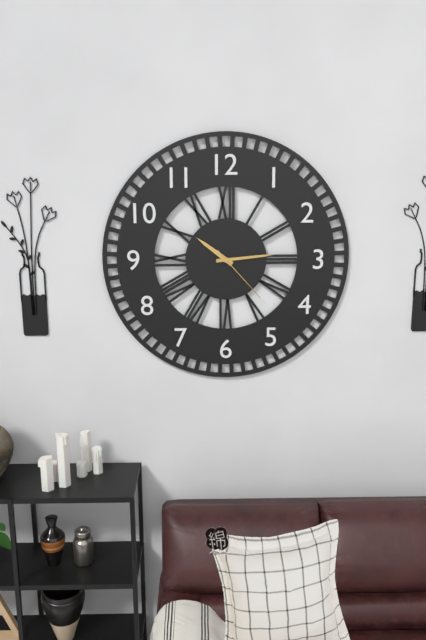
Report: **10:14:23**
